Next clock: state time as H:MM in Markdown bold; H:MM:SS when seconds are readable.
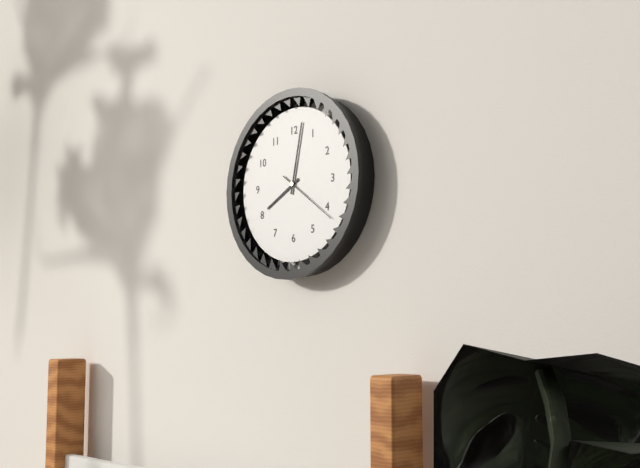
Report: **8:02:21**
